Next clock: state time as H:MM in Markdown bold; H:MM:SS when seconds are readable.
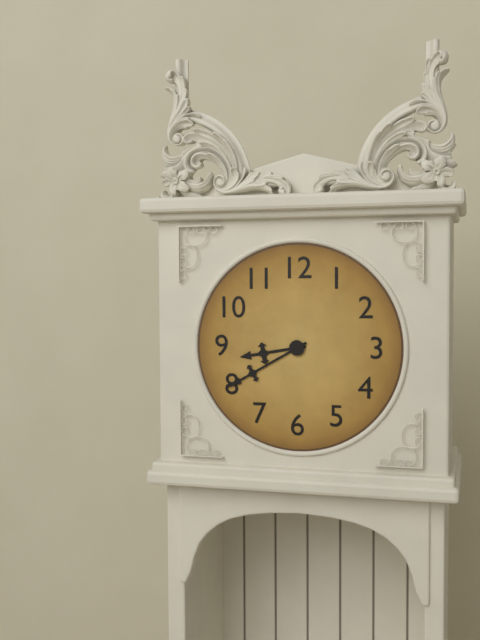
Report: **8:40**
